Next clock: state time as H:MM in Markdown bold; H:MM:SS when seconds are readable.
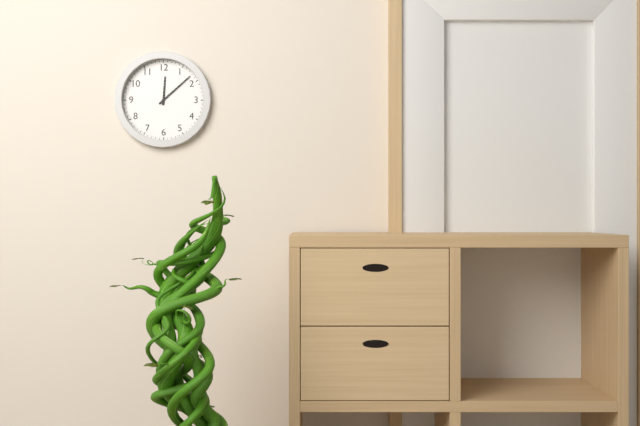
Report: **12:08**
